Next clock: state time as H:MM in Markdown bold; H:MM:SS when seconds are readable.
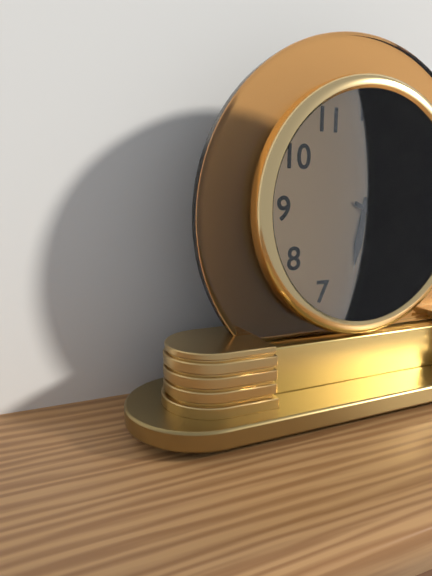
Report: **6:19**
